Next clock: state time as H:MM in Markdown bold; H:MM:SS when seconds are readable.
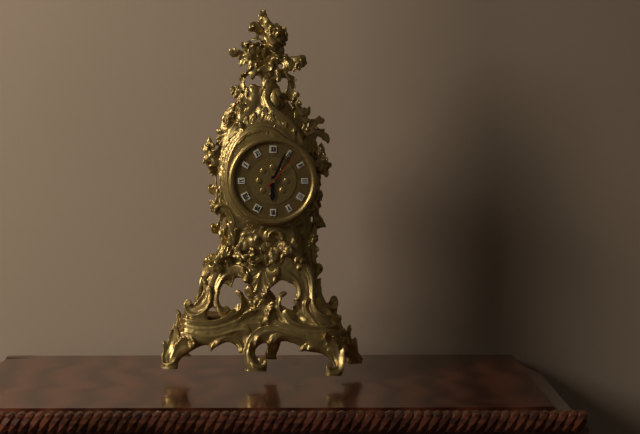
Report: **6:04**
